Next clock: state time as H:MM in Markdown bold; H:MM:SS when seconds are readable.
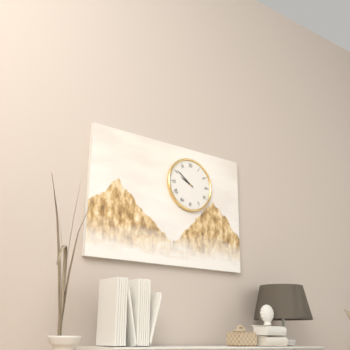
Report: **9:51**
